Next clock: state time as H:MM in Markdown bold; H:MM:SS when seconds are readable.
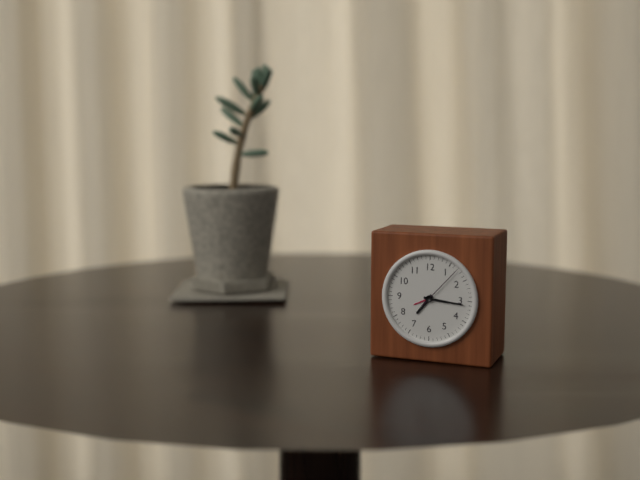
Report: **7:16**
